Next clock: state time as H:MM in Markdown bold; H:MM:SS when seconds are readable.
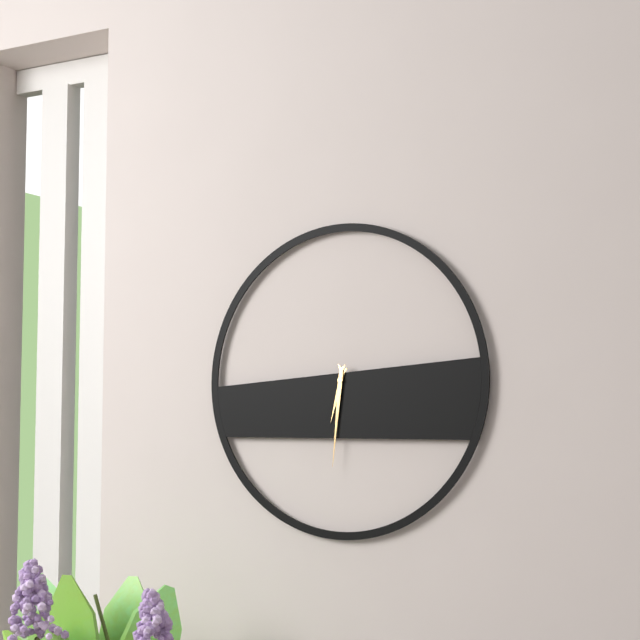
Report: **6:31**
